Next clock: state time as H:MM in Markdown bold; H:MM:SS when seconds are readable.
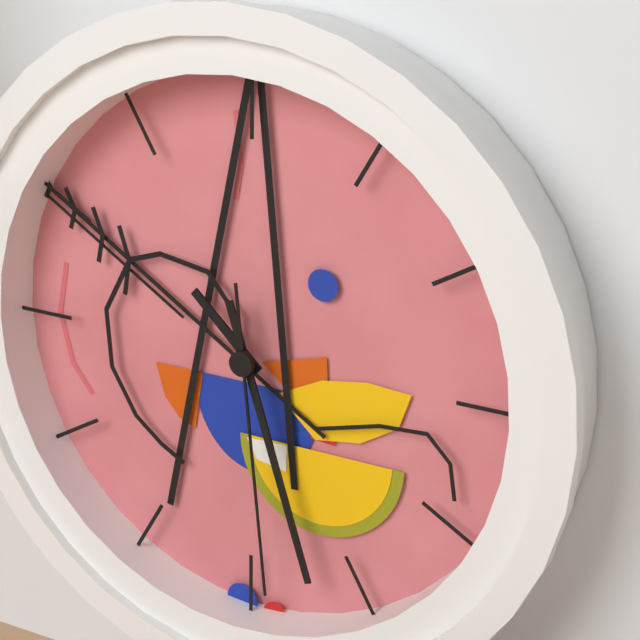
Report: **10:27:29**
